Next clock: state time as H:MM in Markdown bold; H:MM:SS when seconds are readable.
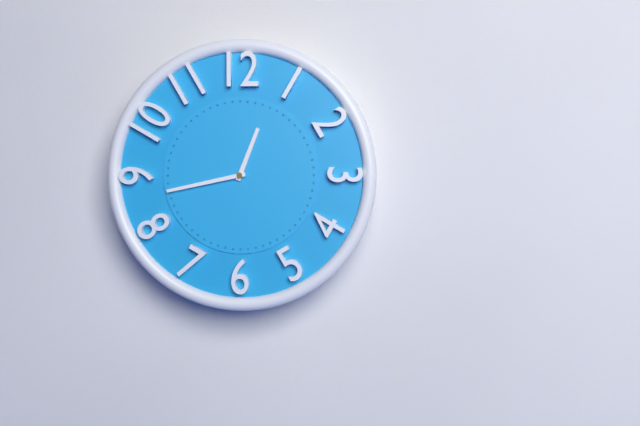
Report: **12:43**
